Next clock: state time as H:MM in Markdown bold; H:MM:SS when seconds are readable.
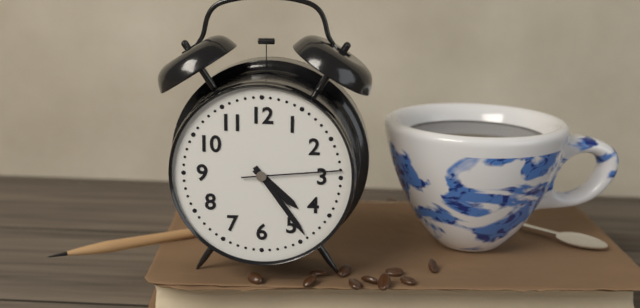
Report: **4:24:14**
